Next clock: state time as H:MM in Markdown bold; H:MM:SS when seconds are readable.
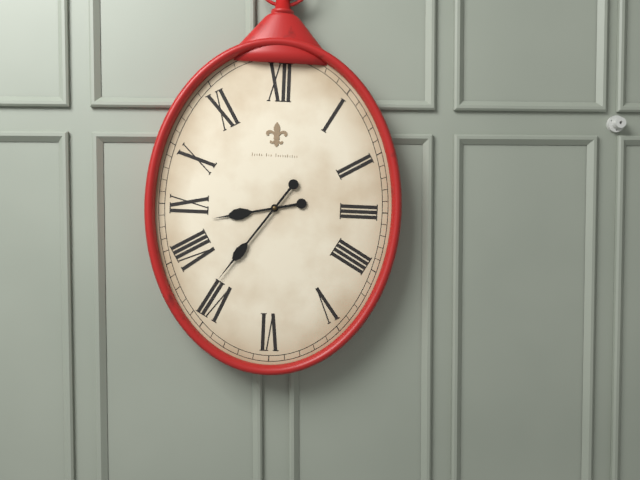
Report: **8:36**
